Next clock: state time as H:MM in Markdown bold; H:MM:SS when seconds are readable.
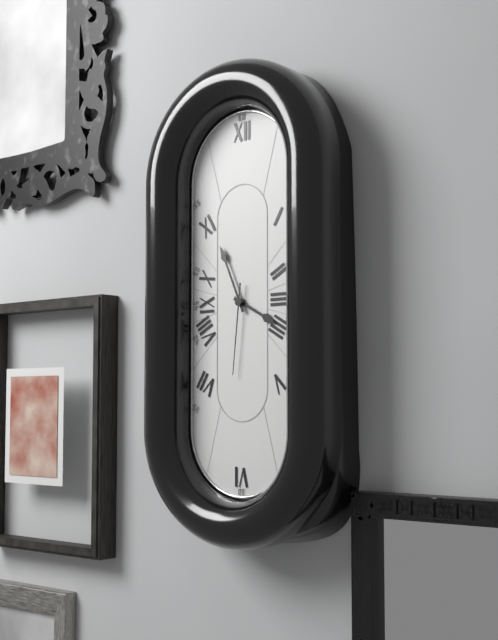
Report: **3:56:31**
